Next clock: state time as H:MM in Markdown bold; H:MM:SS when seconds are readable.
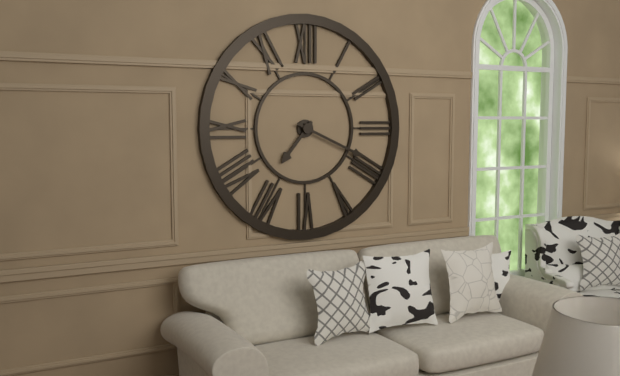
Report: **7:19**
